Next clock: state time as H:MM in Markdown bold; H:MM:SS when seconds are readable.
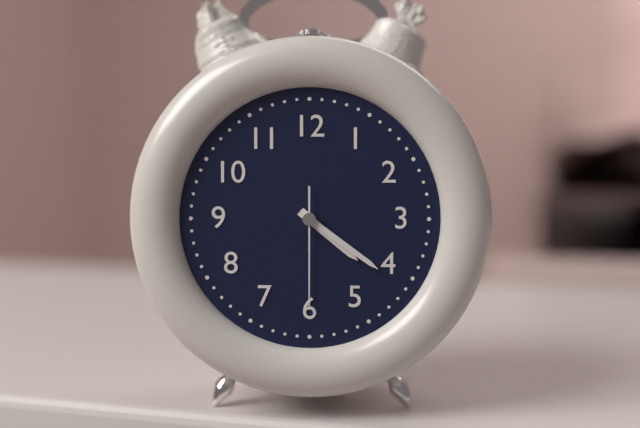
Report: **4:21:30**
